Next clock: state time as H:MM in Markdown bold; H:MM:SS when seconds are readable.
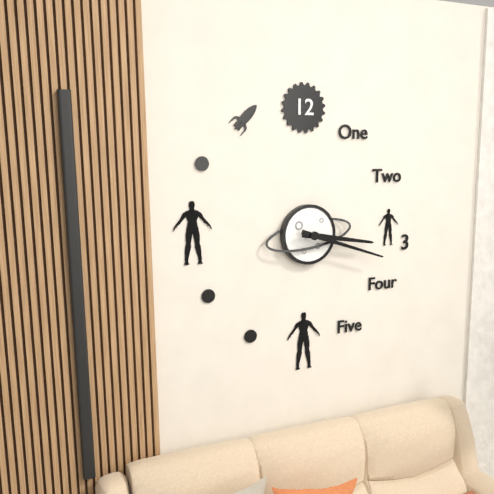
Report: **3:18**
